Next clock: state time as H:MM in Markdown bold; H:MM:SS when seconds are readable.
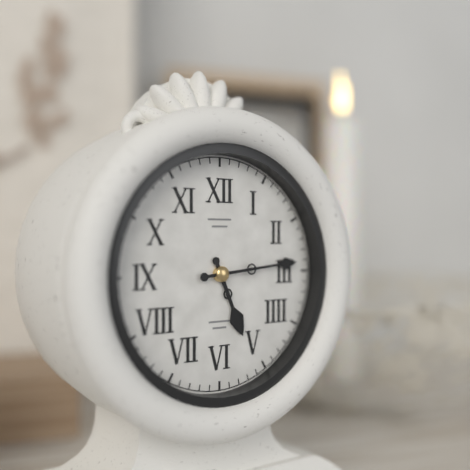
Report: **5:14**
